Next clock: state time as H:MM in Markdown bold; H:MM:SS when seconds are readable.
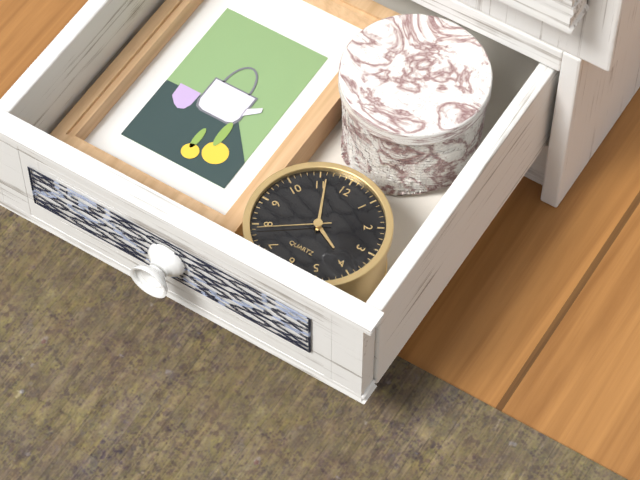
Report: **3:56:39**
